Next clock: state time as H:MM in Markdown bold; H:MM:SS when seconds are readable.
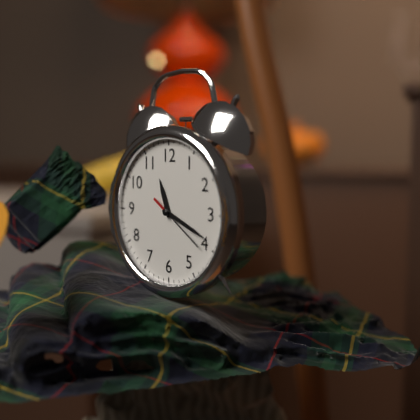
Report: **11:19:21**
